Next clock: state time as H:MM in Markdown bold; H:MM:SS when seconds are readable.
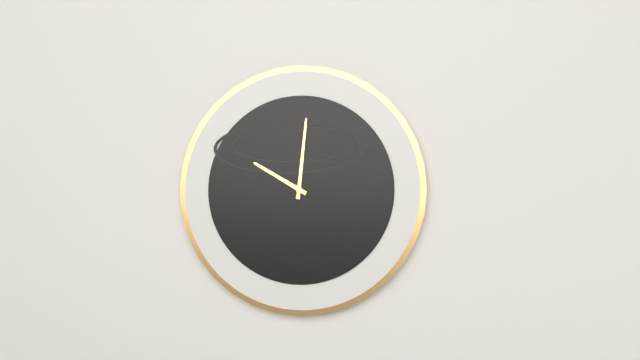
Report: **10:01**
